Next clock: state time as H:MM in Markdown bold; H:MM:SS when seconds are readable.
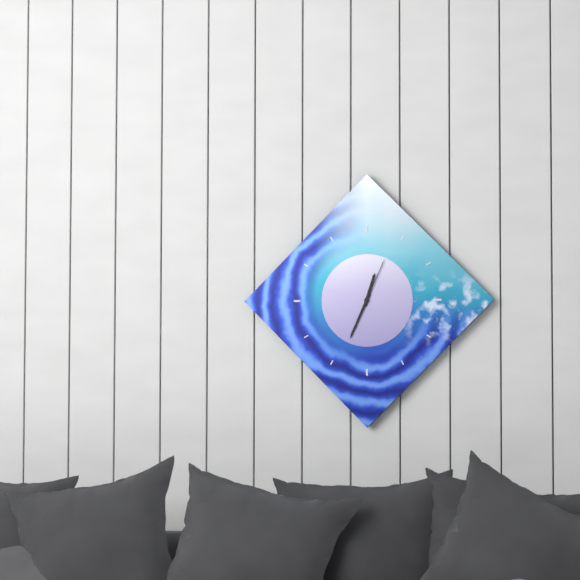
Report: **12:34:04**
